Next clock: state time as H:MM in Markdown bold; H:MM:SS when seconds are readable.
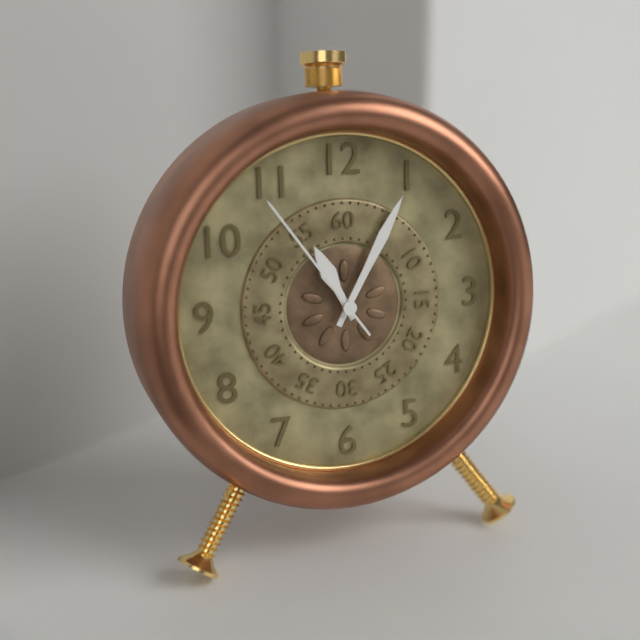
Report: **11:05:54**
